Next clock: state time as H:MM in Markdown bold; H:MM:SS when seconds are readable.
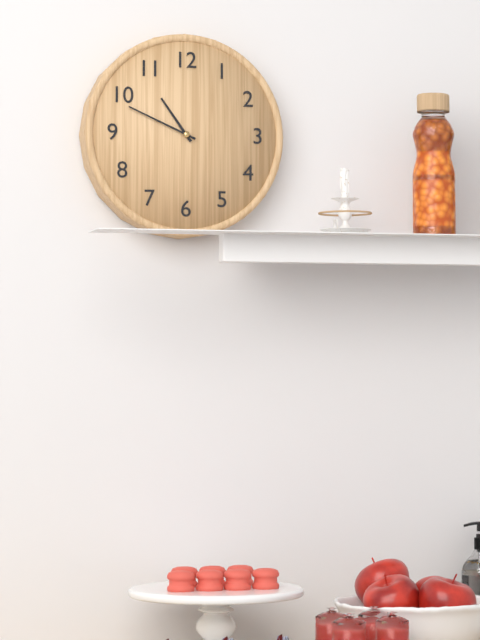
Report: **10:49**
